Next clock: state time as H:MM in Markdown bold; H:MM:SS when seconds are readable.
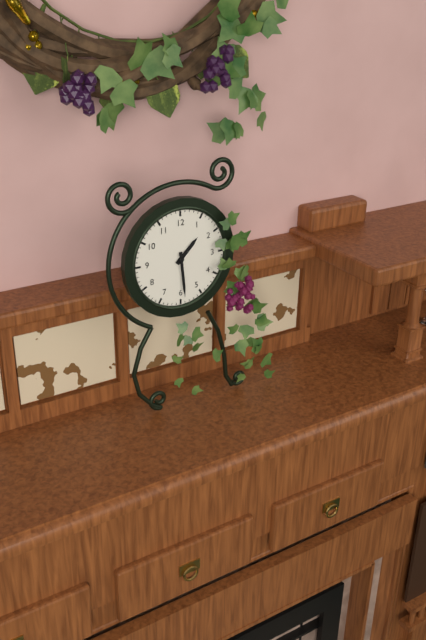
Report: **1:29**
